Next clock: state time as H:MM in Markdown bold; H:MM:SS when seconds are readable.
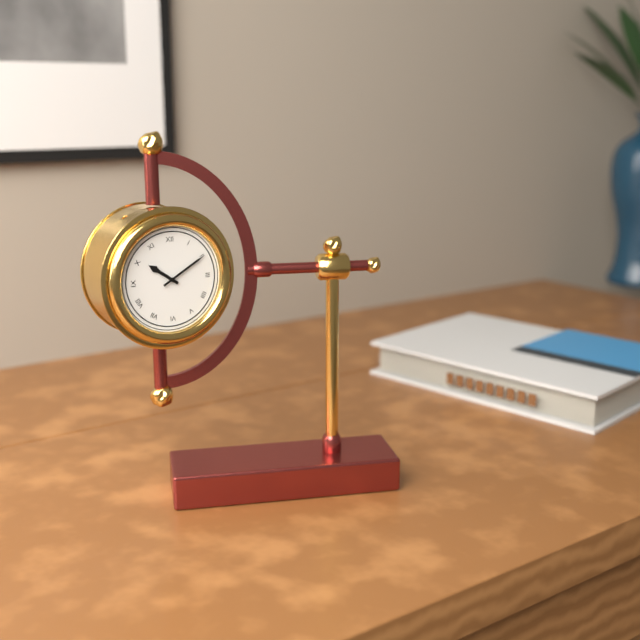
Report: **10:10**
